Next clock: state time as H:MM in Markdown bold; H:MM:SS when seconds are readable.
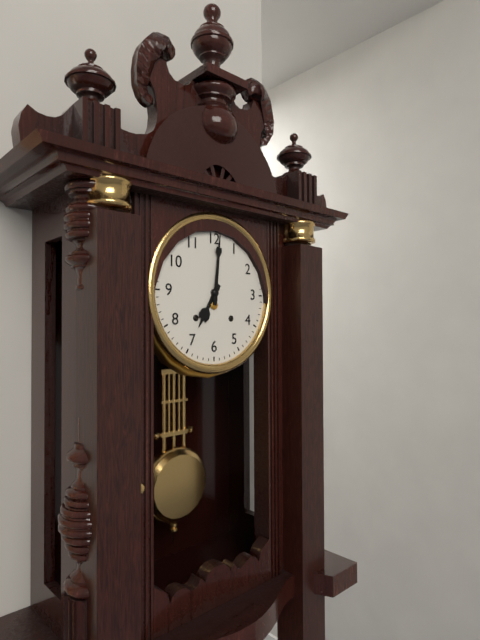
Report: **7:01**
